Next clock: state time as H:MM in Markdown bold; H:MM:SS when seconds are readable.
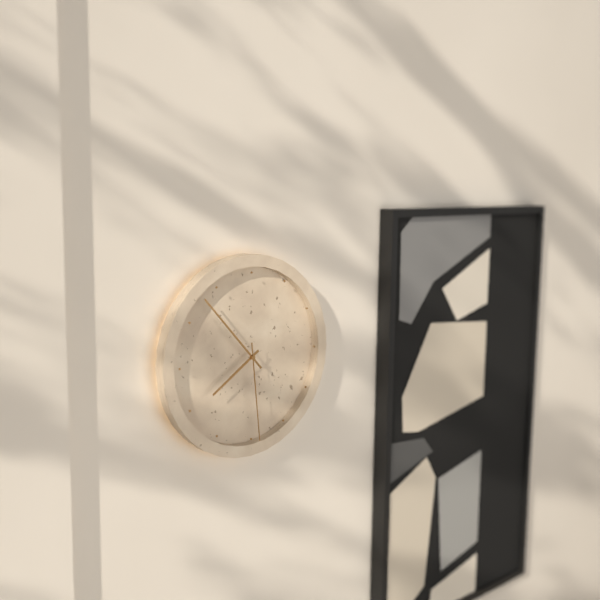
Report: **7:53:29**
